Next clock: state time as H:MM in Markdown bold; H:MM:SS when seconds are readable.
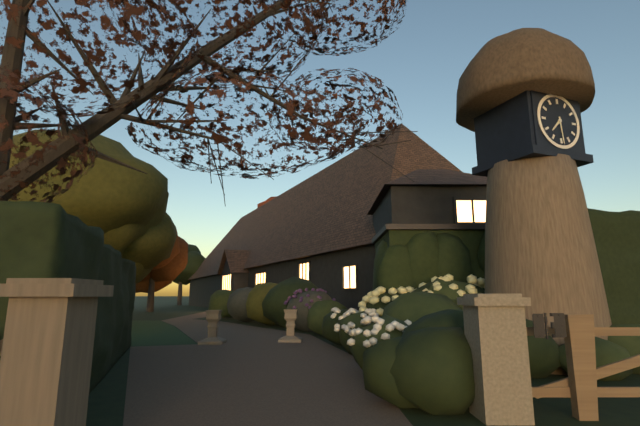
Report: **7:29**
